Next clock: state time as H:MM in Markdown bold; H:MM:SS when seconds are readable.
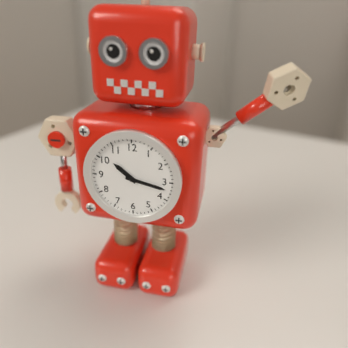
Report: **10:17**
